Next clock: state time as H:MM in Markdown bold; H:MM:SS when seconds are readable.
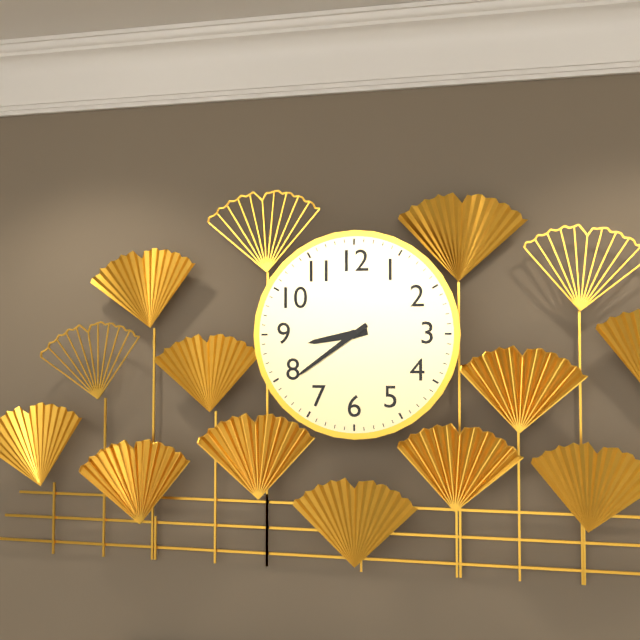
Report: **8:39**
